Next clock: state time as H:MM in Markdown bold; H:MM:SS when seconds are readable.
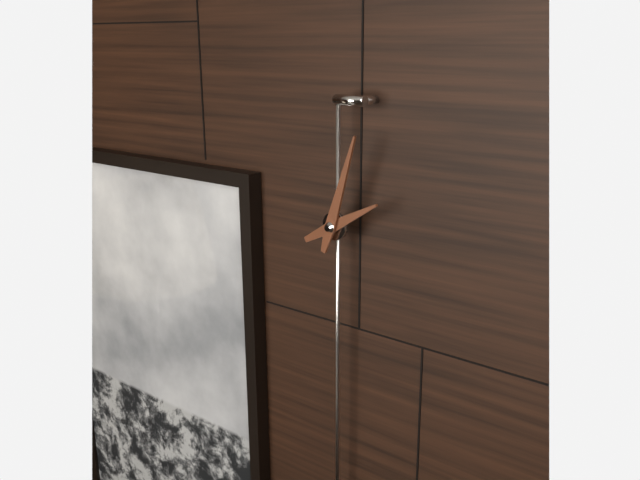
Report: **2:03**
